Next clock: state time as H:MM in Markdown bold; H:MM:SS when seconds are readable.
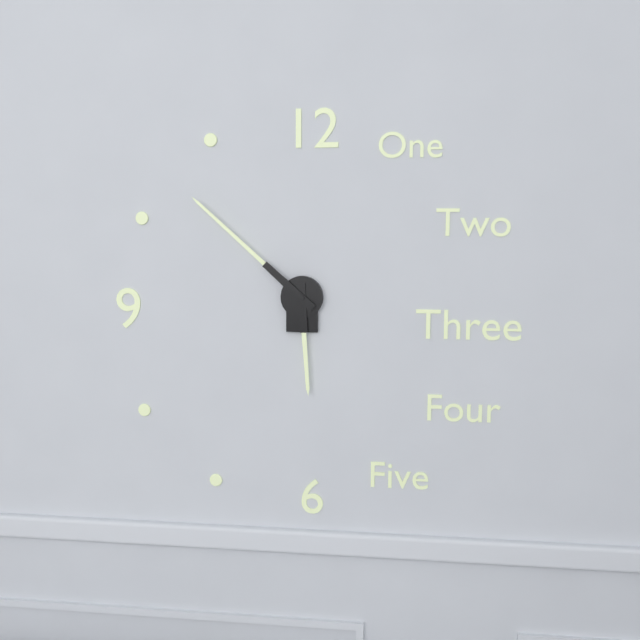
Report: **5:52**
